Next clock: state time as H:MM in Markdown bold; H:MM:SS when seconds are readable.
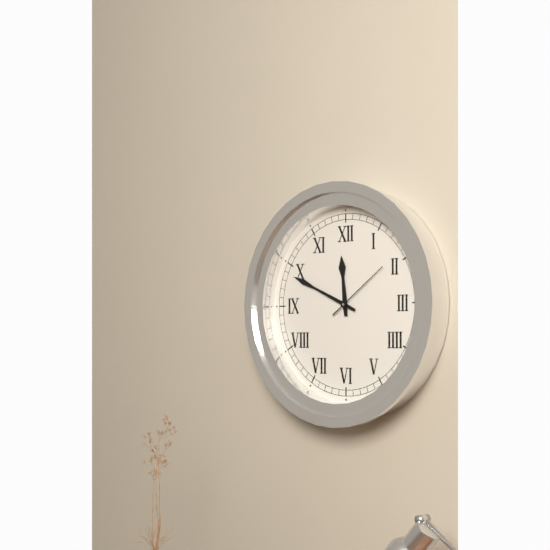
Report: **11:49:09**
